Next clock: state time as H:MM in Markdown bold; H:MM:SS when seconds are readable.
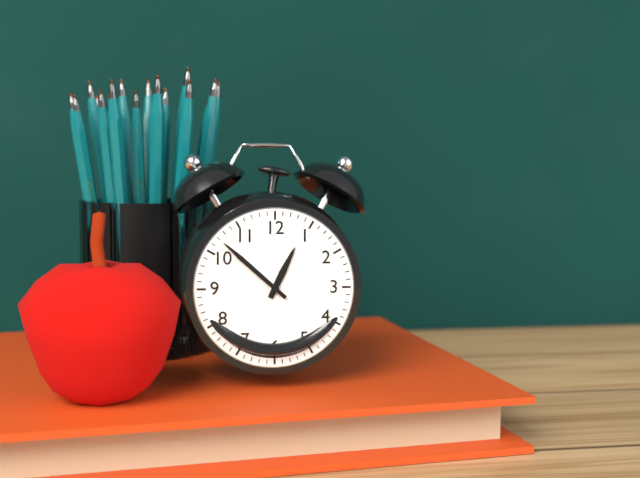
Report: **12:52**
